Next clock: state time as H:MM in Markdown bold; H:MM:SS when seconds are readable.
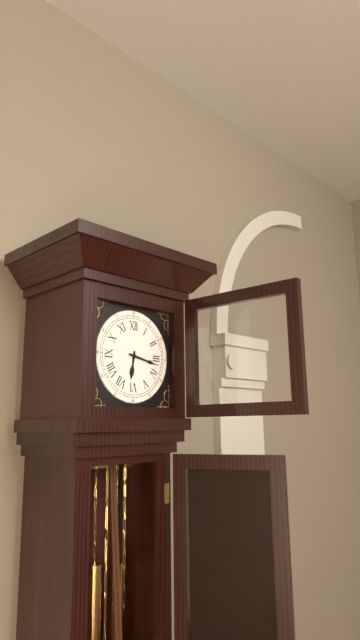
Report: **6:17**
